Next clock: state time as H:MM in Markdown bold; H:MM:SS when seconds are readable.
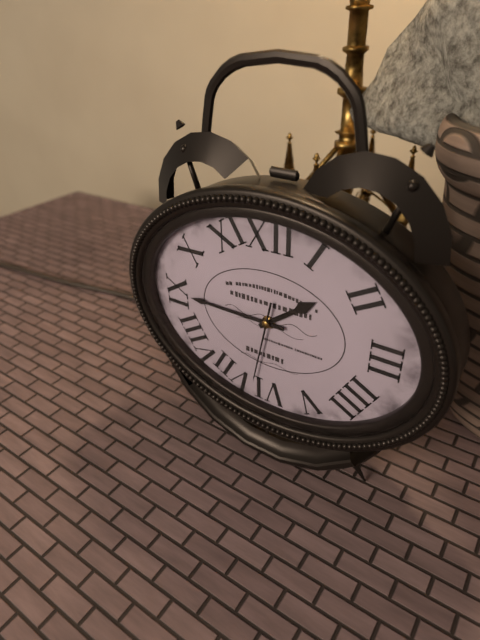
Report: **1:45:32**
